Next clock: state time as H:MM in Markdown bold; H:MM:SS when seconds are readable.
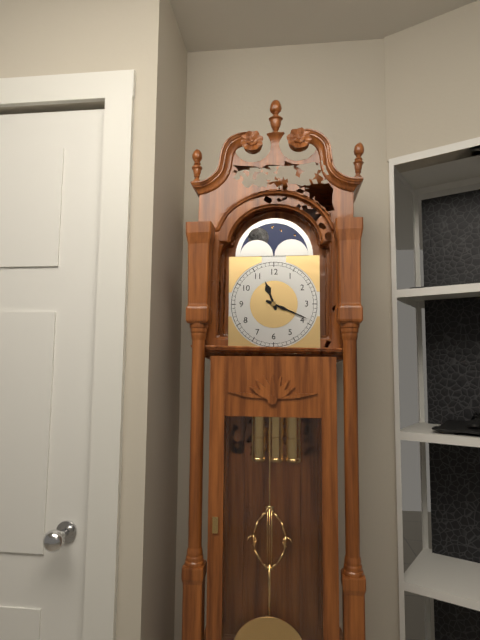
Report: **11:19**
